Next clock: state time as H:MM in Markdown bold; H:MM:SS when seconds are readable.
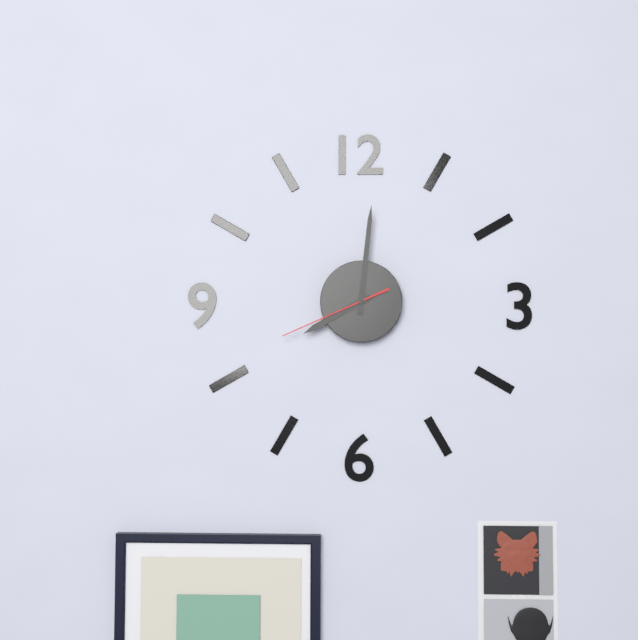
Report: **8:01:41**
